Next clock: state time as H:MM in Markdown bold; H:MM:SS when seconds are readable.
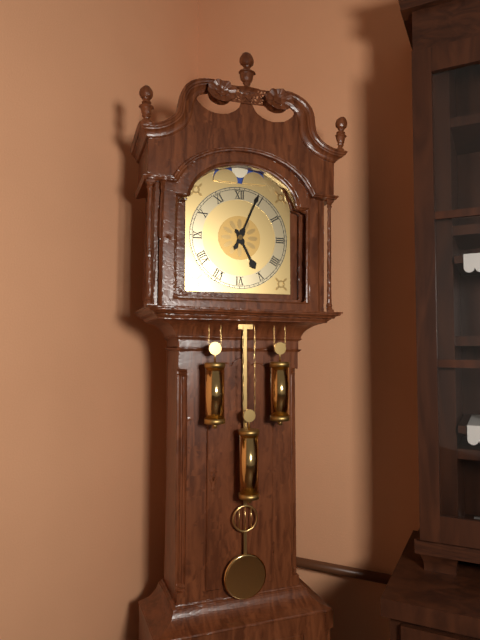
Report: **5:04**
